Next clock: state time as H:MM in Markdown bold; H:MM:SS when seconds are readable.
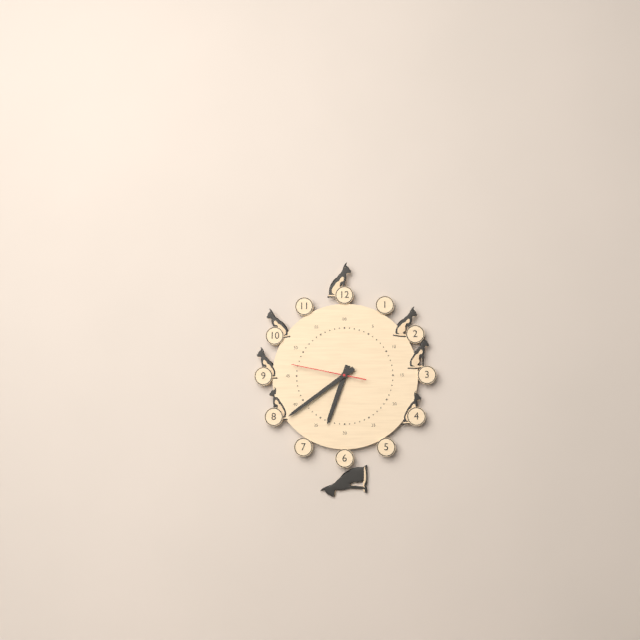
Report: **6:39:47**
